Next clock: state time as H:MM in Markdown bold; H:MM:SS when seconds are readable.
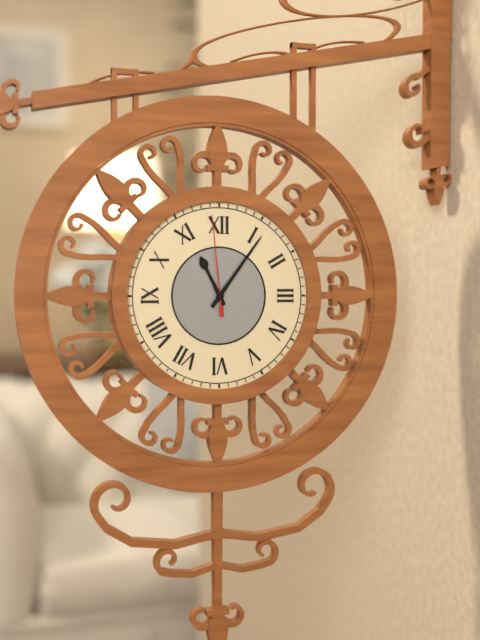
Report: **11:06:59**
